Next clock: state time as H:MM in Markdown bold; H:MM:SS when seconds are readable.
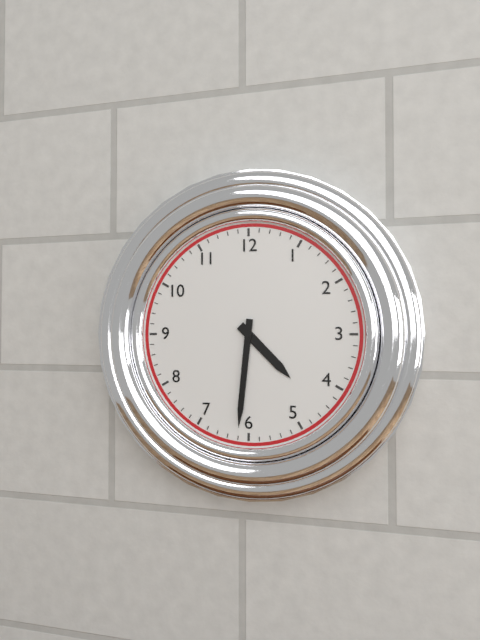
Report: **4:31**
